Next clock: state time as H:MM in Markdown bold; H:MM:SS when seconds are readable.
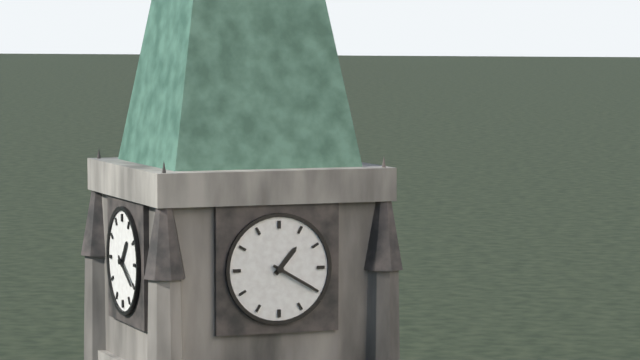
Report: **1:20**
